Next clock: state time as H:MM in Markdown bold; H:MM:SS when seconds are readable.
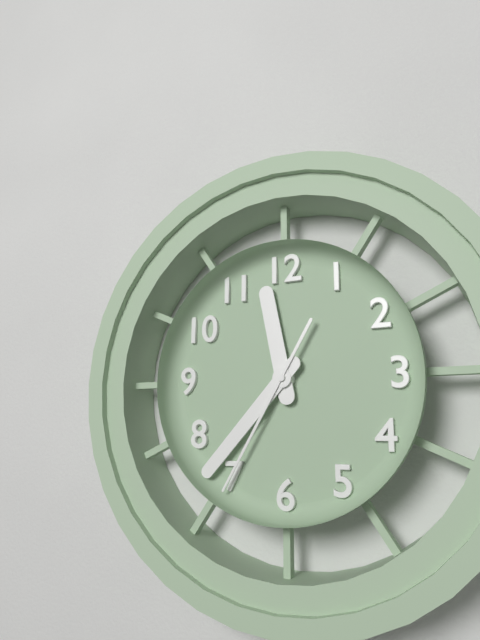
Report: **11:37:35**
